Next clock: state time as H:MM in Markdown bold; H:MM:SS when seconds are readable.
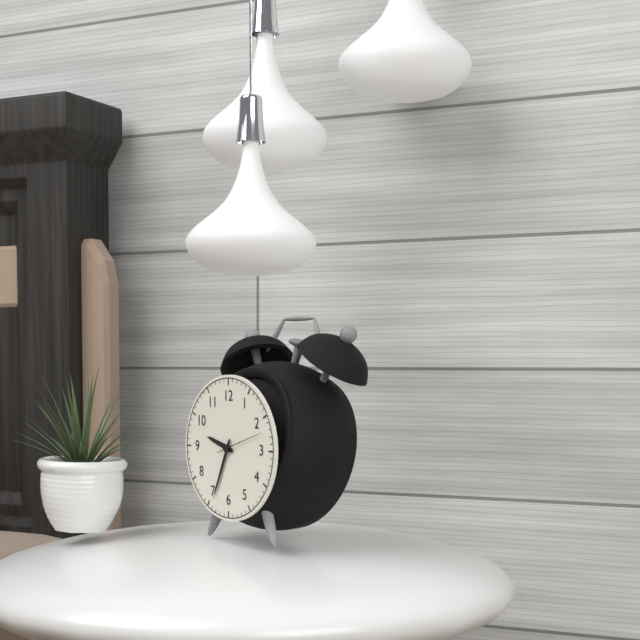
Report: **9:34:12**
